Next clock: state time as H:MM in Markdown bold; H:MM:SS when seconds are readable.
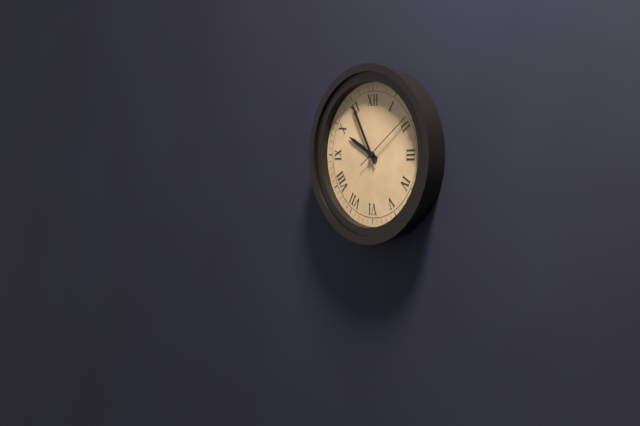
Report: **9:55:09**
